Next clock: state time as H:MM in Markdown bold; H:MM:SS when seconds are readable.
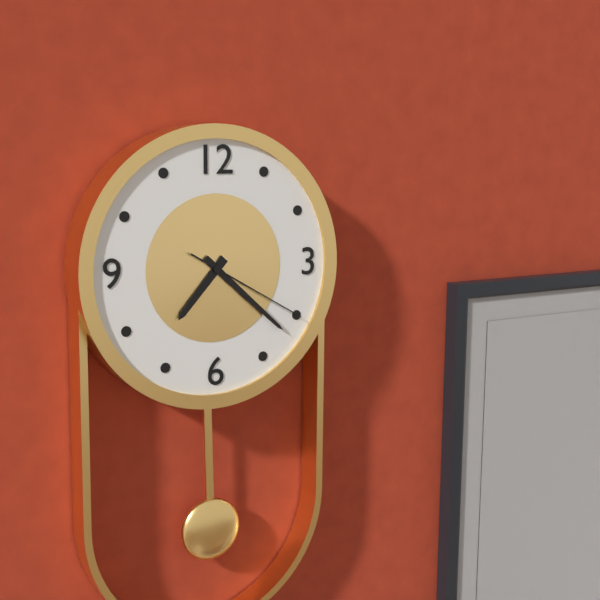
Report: **7:22:20**
